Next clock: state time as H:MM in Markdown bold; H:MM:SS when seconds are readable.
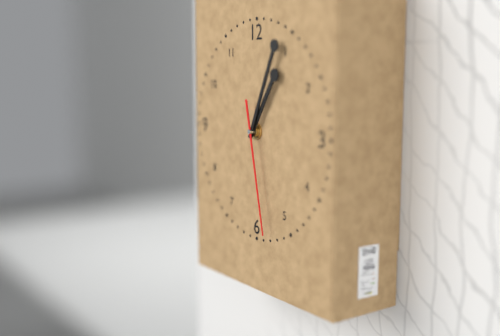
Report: **1:04:28**
